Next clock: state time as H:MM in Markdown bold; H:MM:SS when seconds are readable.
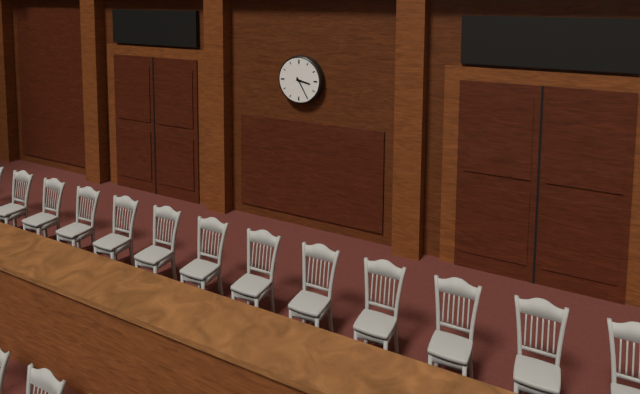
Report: **3:25**
